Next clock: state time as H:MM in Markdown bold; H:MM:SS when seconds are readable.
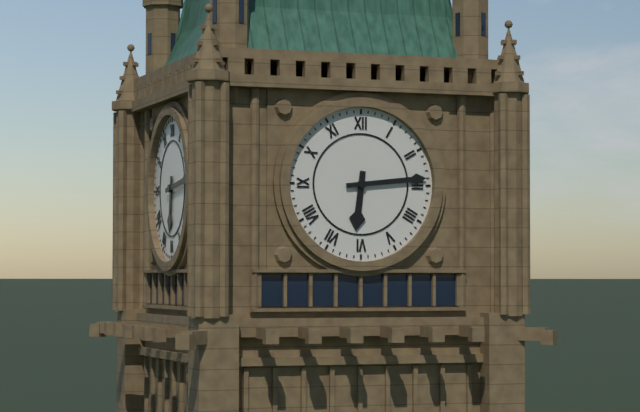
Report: **6:14**
